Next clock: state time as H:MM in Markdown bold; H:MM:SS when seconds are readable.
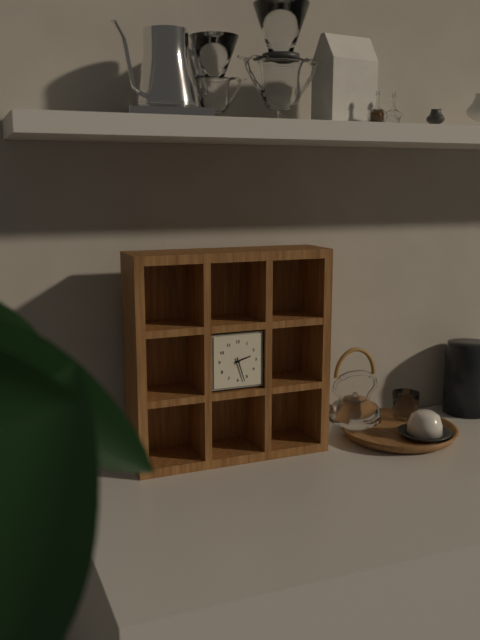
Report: **2:27**
